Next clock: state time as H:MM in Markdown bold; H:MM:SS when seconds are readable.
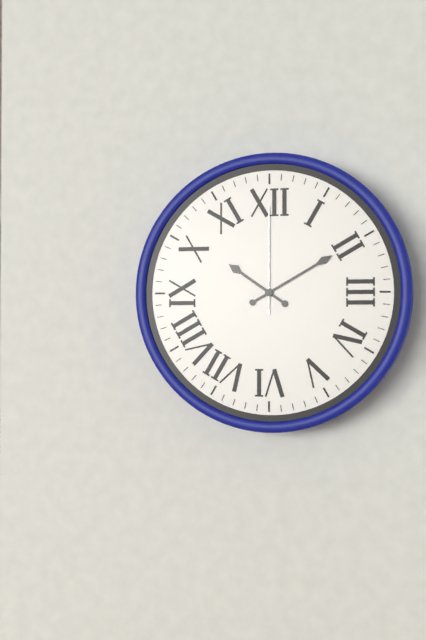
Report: **10:10:00**
